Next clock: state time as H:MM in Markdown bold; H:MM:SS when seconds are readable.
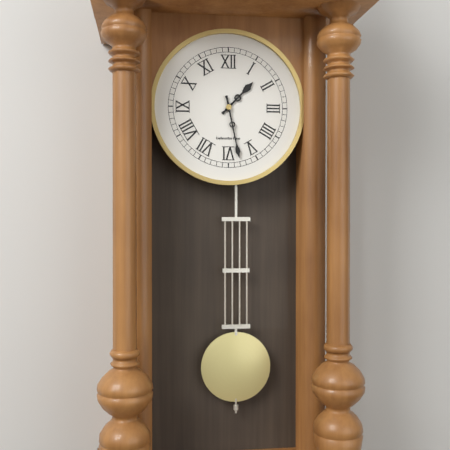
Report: **1:28**
